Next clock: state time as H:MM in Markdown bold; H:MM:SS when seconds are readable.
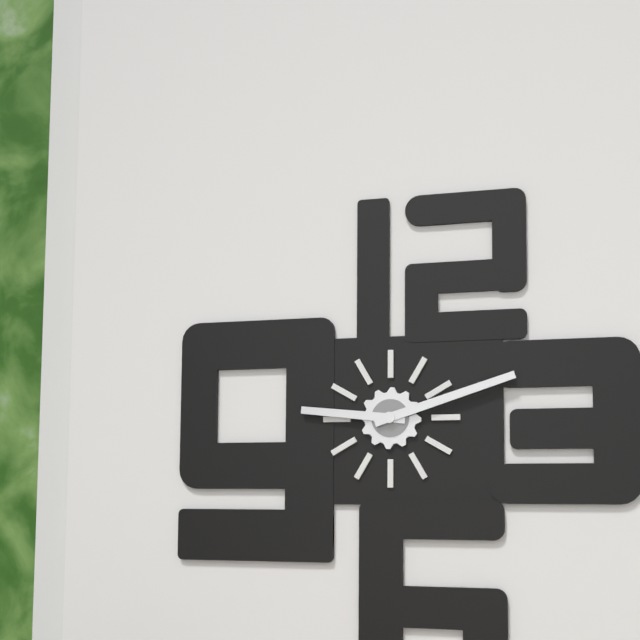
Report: **9:12**
